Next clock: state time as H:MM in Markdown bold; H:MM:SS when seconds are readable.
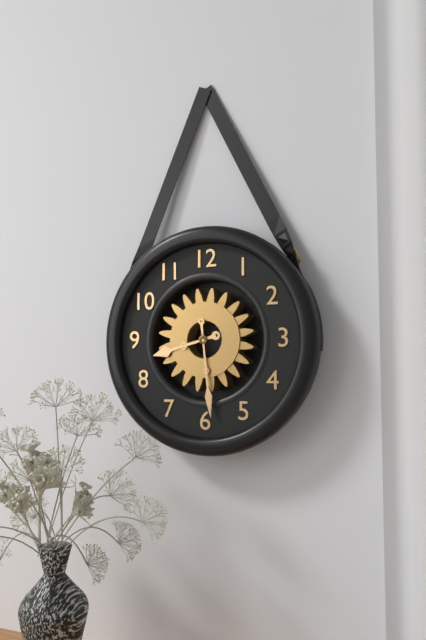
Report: **8:29**
